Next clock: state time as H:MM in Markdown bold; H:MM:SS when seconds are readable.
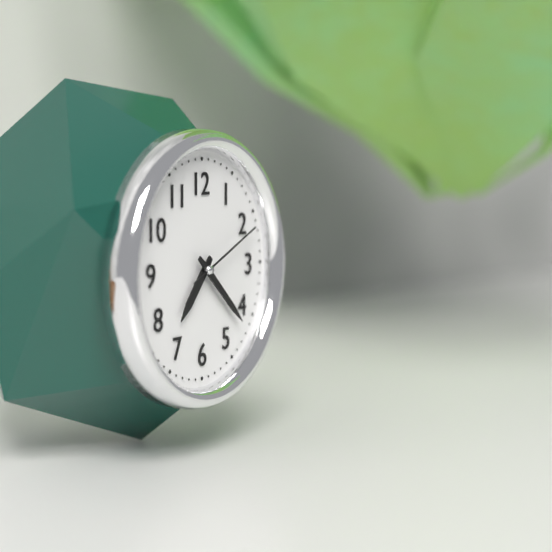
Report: **7:22:11**
